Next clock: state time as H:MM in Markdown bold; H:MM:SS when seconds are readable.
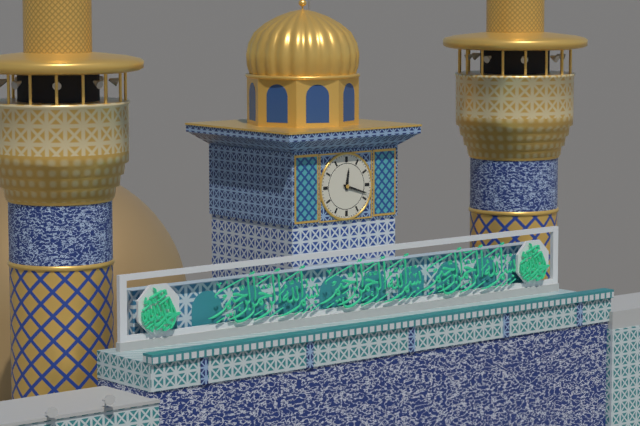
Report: **12:18**
